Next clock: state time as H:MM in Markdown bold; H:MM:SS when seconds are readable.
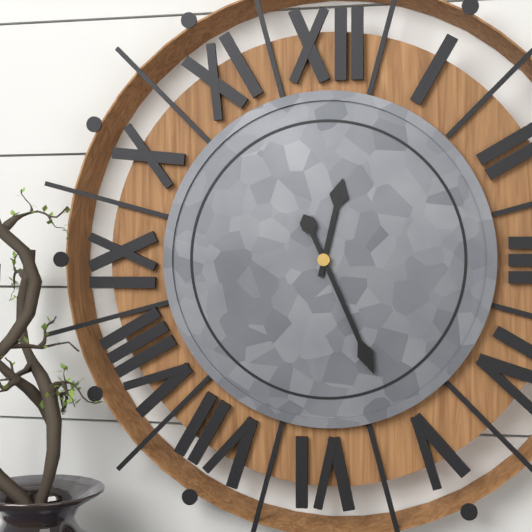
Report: **12:26**
